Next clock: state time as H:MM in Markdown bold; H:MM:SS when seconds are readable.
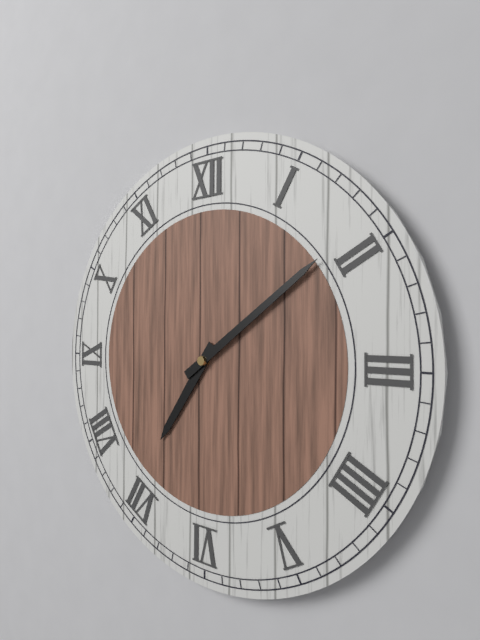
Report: **7:09**
